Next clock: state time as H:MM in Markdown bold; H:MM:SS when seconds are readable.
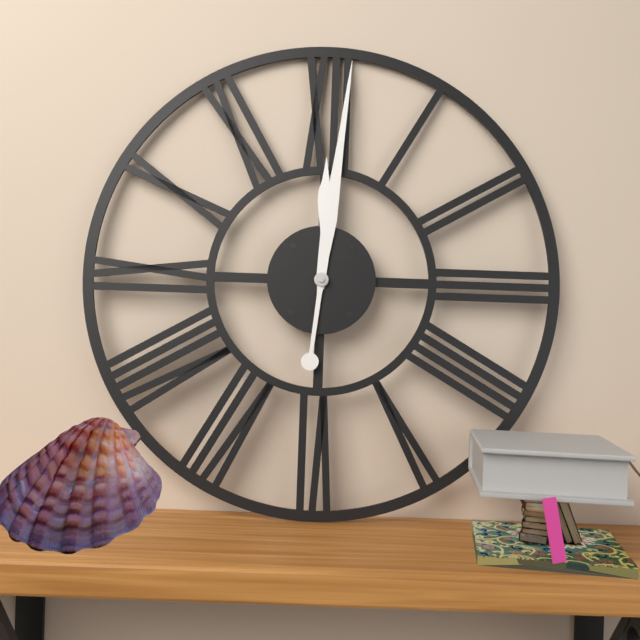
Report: **12:01**
